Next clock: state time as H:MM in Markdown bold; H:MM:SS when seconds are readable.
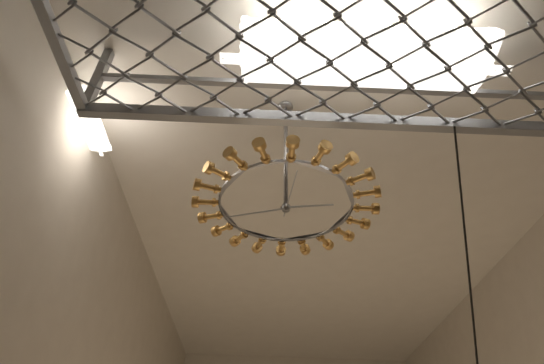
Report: **2:42:01**
